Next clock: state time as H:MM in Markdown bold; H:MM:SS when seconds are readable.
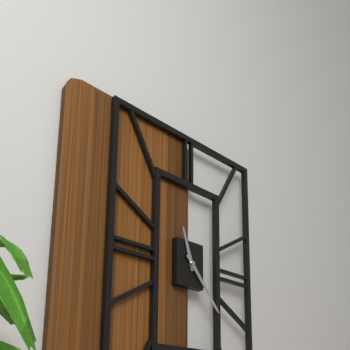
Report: **11:23**
